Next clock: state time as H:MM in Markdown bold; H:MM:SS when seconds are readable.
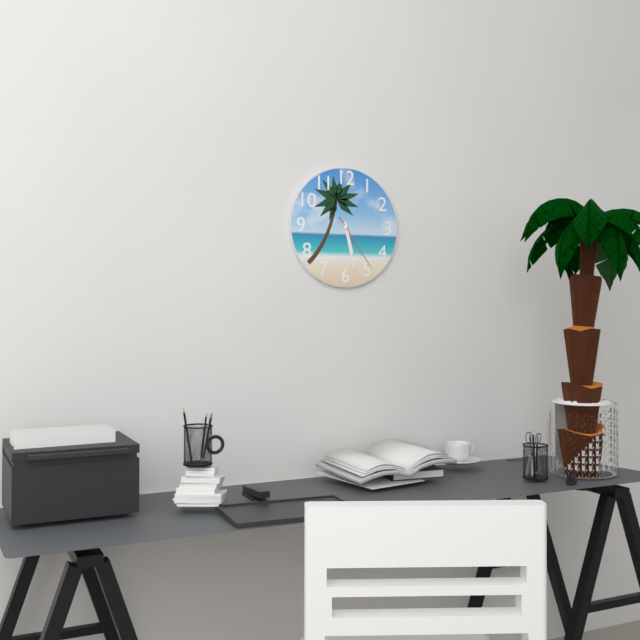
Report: **5:28:24**
